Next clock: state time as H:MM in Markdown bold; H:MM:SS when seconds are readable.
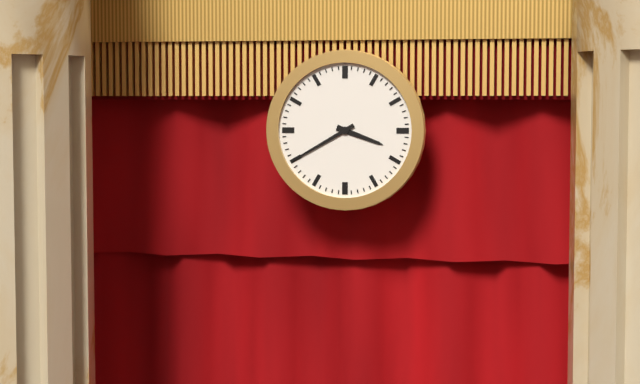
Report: **3:40**
